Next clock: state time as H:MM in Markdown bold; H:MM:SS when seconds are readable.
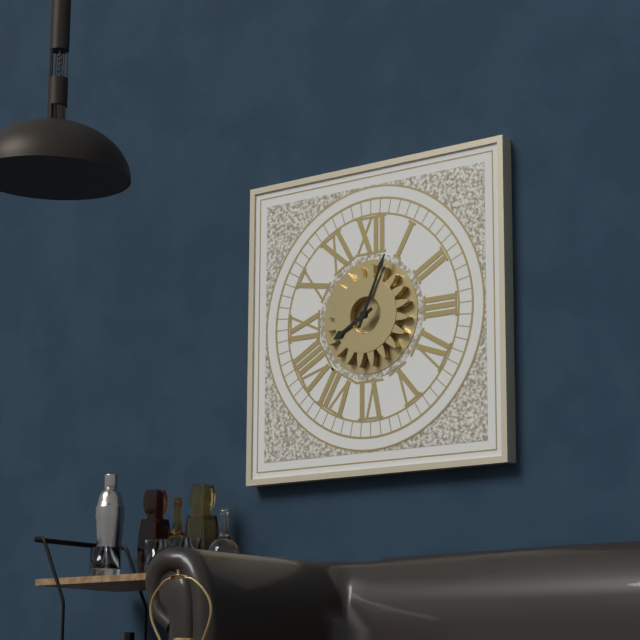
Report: **8:04**
